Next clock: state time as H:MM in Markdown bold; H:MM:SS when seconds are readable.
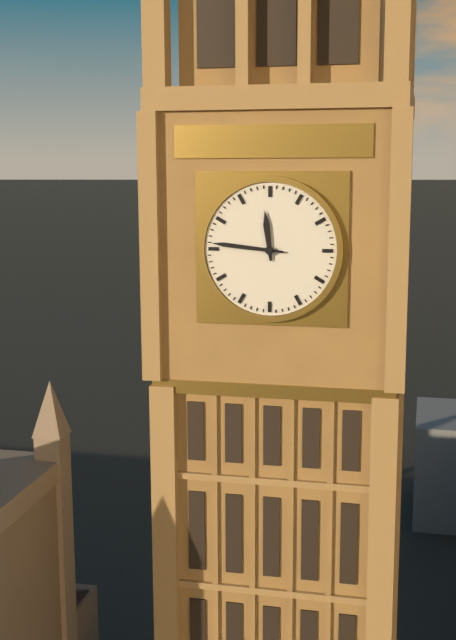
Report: **11:46**
